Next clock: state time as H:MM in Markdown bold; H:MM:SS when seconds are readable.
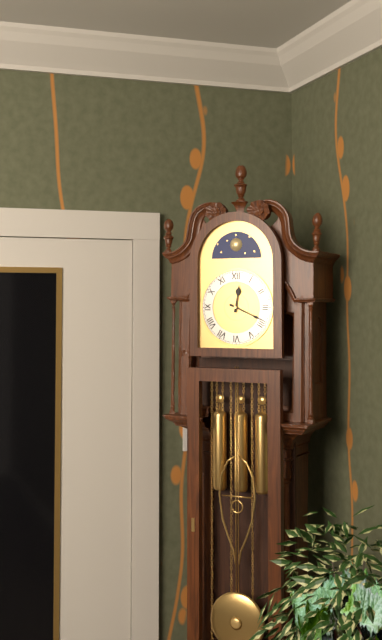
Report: **12:19**
